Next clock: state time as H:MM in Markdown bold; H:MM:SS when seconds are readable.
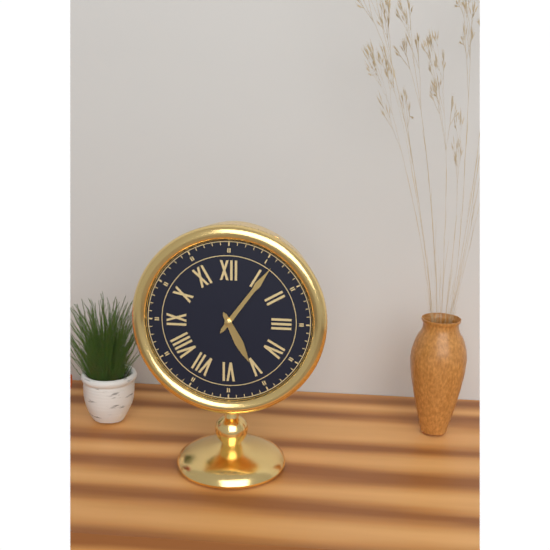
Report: **5:06**
